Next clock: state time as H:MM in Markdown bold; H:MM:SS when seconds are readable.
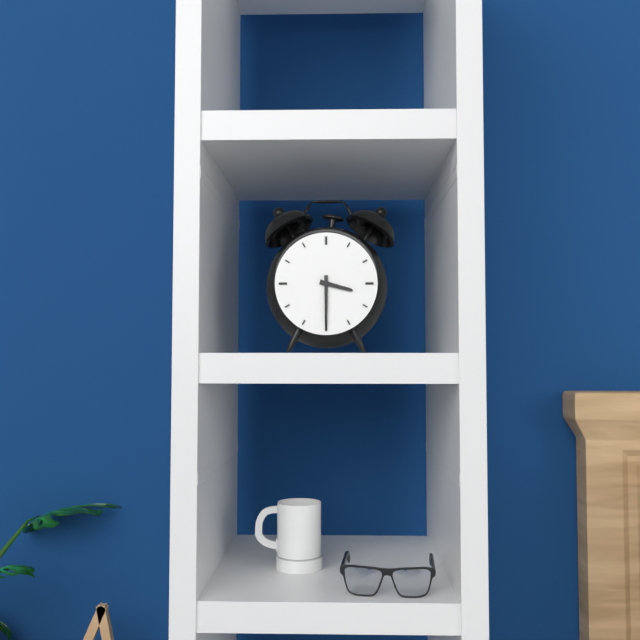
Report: **3:30**
